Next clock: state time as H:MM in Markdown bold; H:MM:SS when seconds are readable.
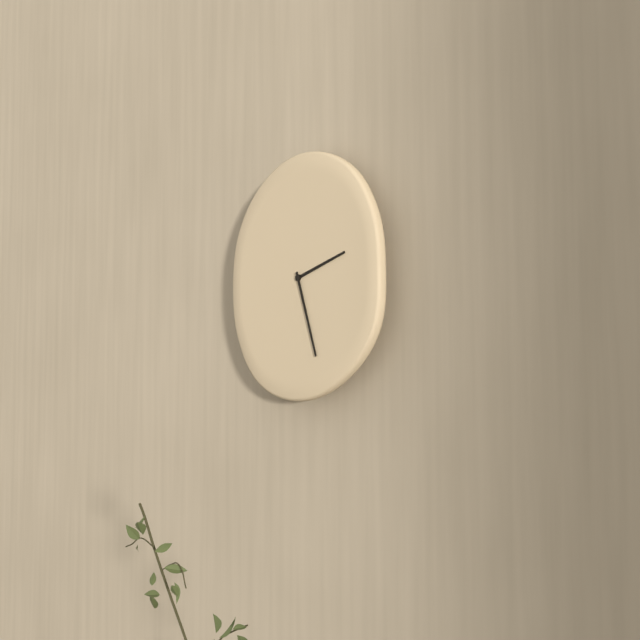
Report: **2:27**
